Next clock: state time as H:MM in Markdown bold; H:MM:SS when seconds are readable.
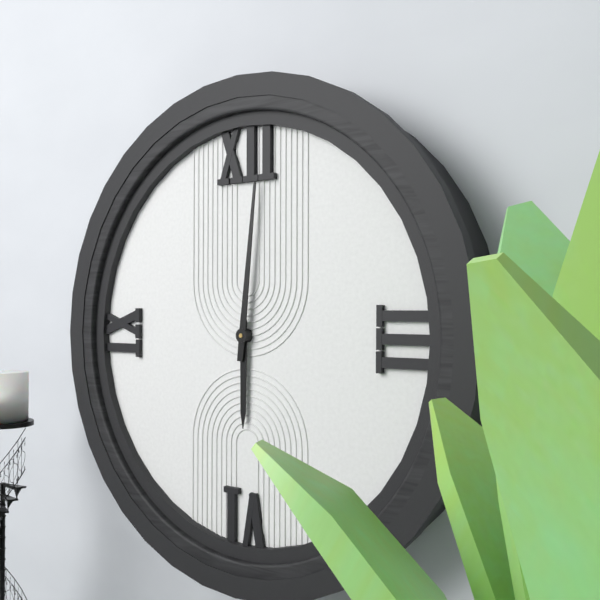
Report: **6:01**
